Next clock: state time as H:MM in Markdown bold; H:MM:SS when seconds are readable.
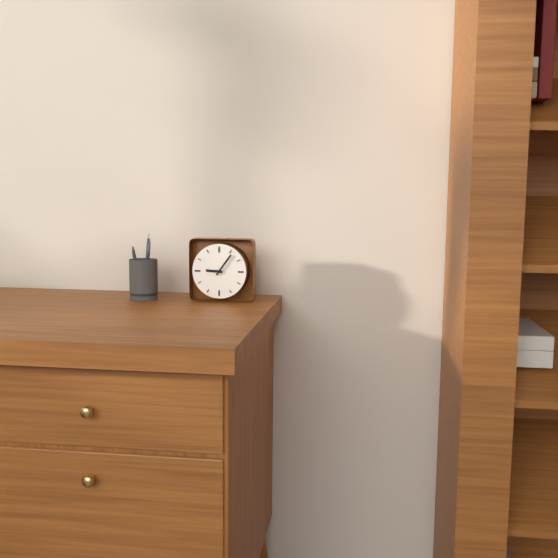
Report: **9:06**
